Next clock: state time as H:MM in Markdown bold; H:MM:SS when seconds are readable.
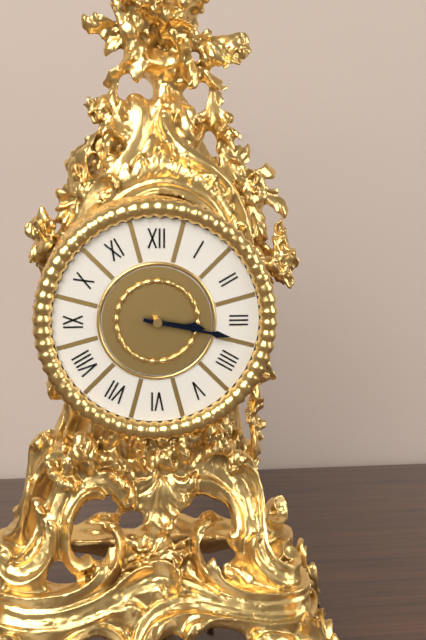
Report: **3:17**
